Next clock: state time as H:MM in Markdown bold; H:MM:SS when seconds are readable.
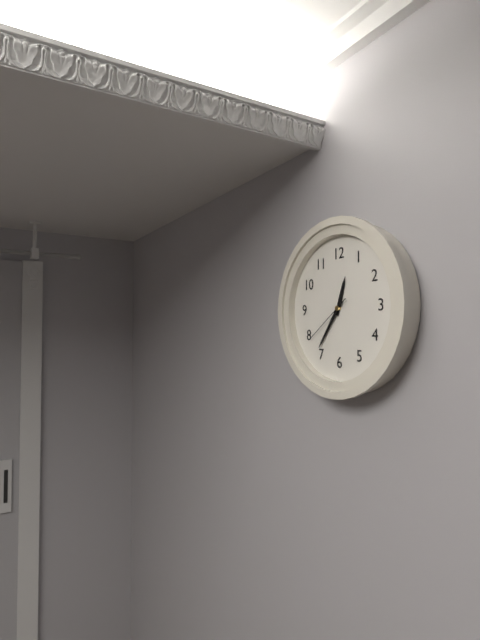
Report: **12:36:39**
